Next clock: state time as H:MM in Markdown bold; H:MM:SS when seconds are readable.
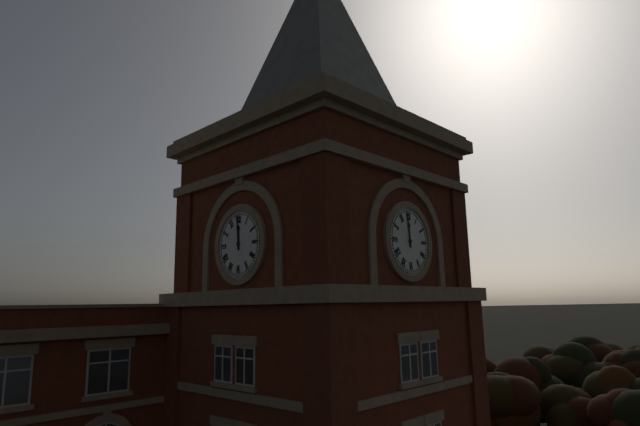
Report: **11:59**
